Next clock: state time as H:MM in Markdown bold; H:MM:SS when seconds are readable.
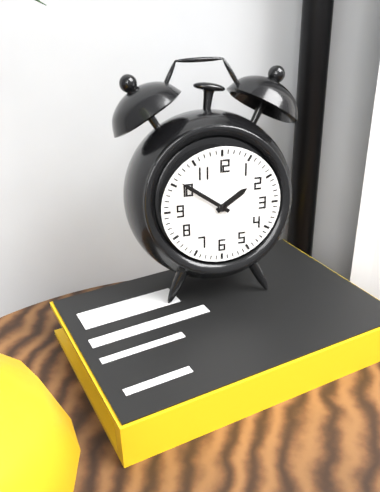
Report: **1:51**
